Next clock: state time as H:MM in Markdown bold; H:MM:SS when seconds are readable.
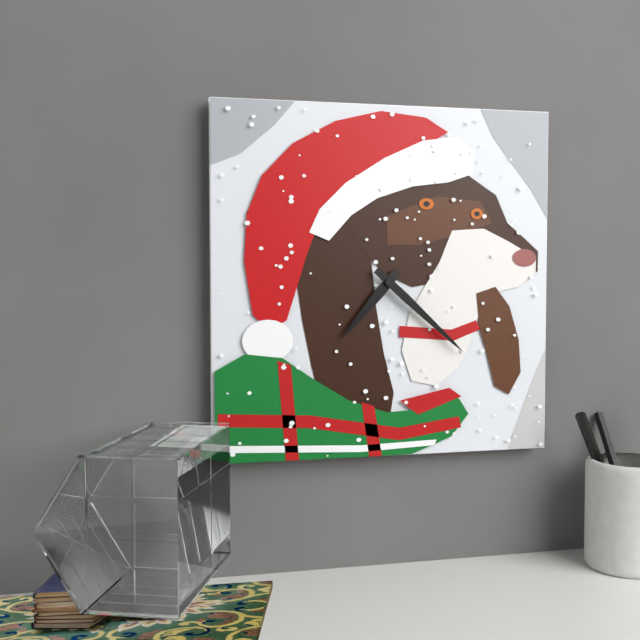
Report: **7:22**
